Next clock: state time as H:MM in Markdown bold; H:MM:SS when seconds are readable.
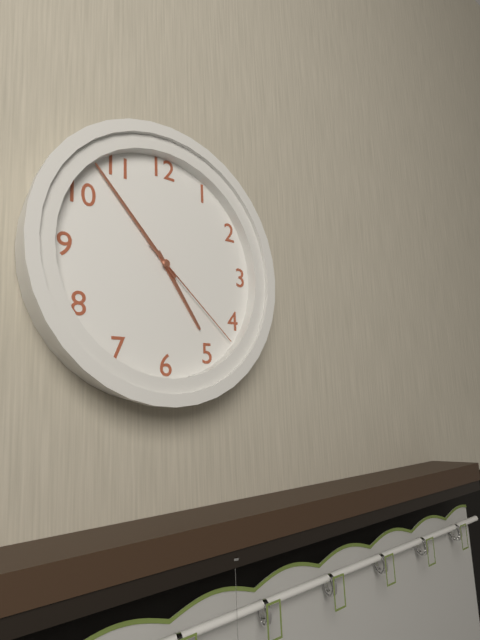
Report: **4:53:22**
